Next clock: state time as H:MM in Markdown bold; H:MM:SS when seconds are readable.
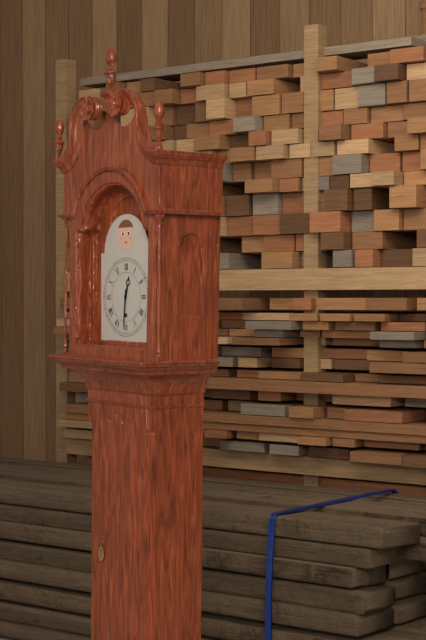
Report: **12:31**
